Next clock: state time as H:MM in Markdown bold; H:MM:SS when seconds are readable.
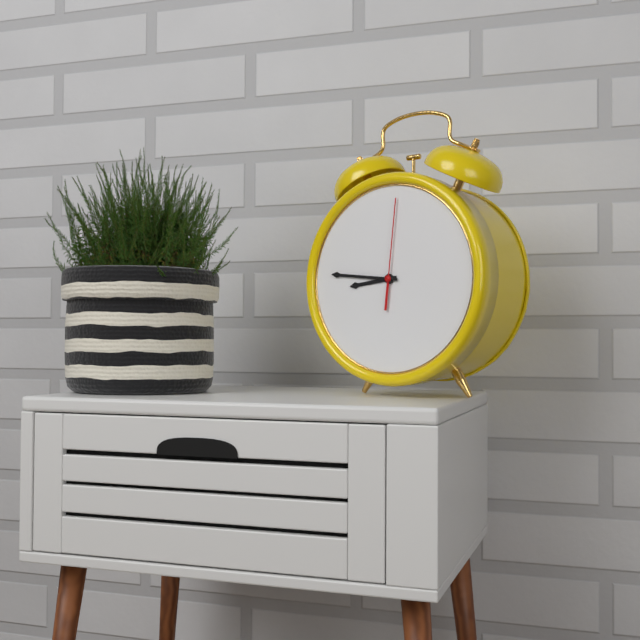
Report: **8:46:01**
